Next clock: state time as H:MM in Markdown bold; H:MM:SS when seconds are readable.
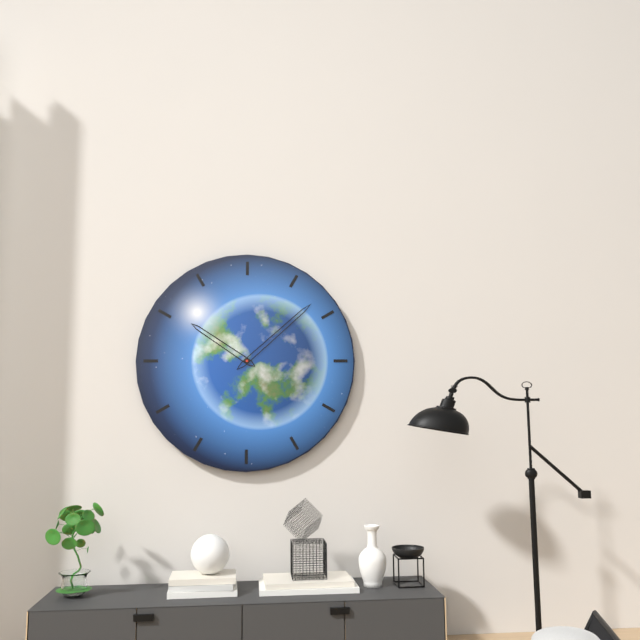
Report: **10:08**
